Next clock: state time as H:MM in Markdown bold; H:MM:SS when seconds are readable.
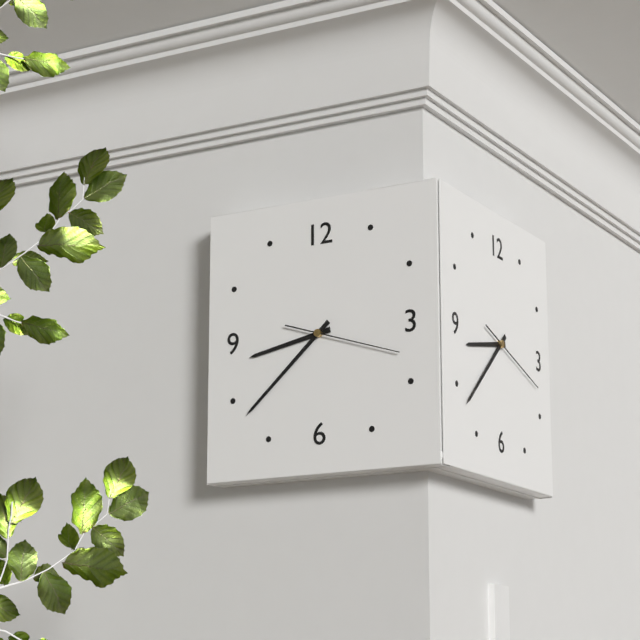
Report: **8:38:18**
